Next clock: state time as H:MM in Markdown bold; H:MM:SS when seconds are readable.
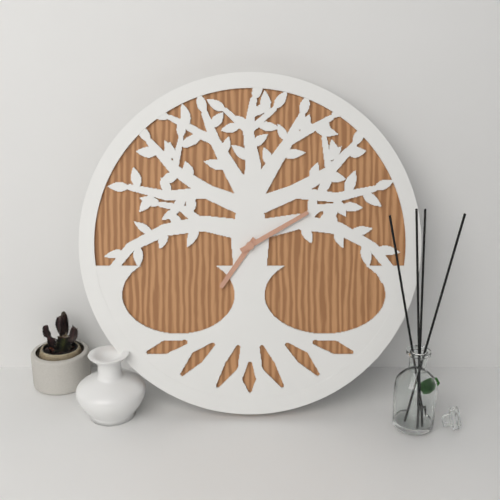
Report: **7:10**
